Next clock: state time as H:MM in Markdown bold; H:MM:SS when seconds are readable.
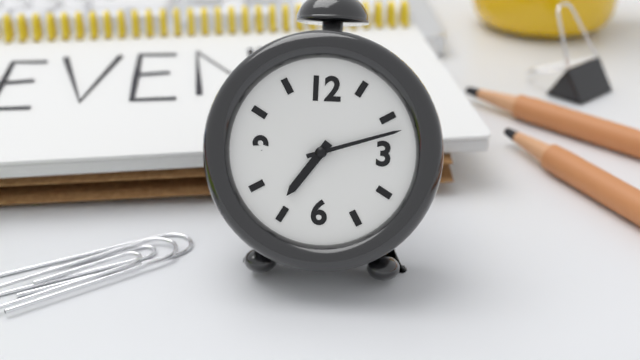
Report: **7:12**
